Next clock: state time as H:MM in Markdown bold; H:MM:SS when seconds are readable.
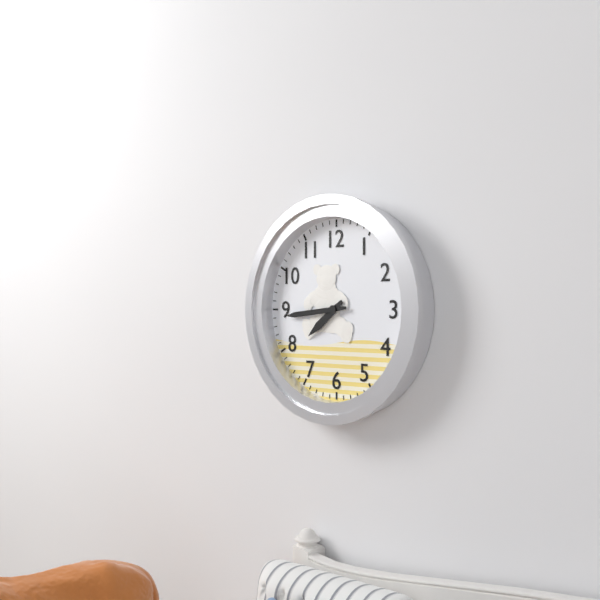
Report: **7:44**
